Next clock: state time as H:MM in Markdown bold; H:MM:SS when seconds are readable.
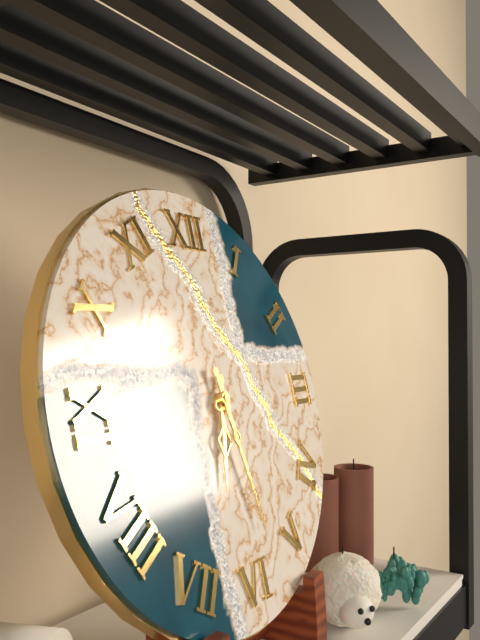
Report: **6:28**
